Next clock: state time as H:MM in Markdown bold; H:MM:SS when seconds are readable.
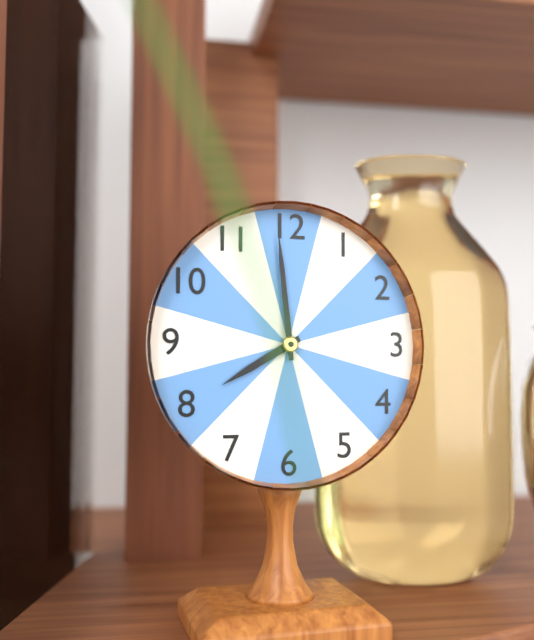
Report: **7:59**
